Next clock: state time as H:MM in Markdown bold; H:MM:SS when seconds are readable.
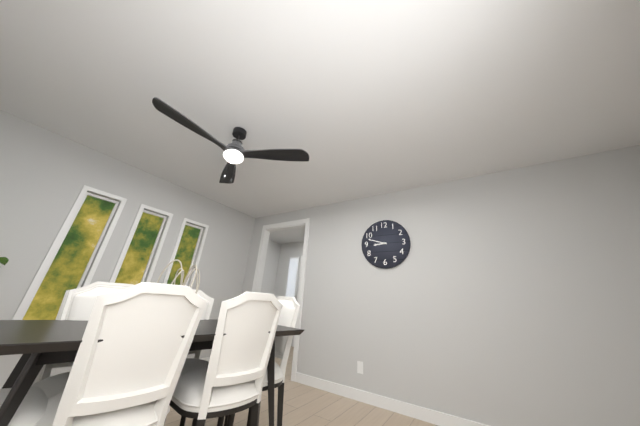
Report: **8:48**
